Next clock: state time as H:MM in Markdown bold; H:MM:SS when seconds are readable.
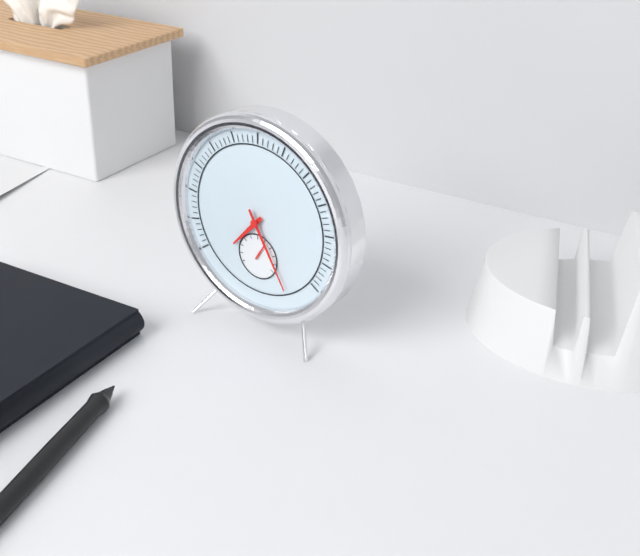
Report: **7:25**
